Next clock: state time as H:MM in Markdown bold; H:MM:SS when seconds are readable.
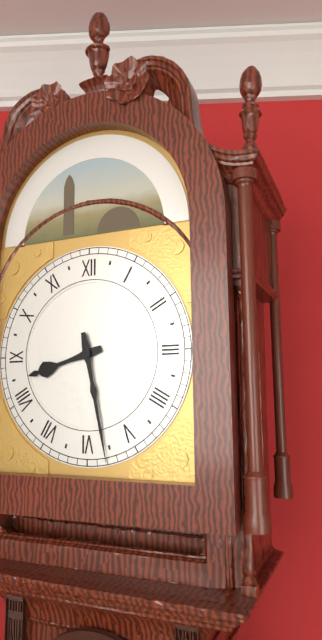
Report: **8:28**
